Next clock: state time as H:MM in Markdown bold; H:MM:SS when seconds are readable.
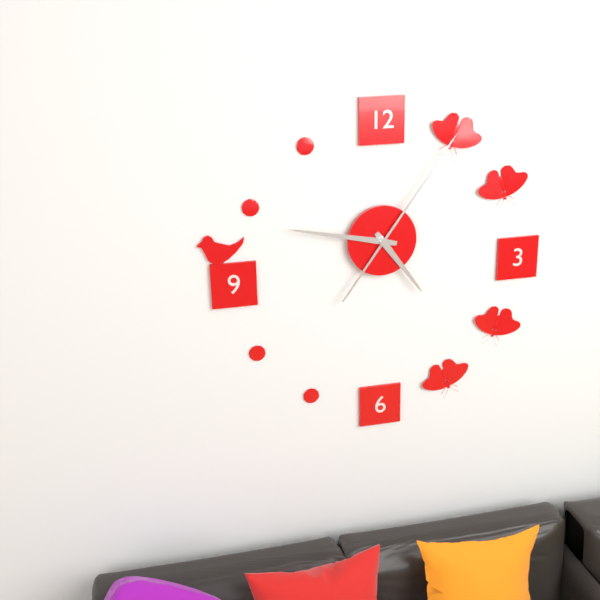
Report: **4:47:06**
